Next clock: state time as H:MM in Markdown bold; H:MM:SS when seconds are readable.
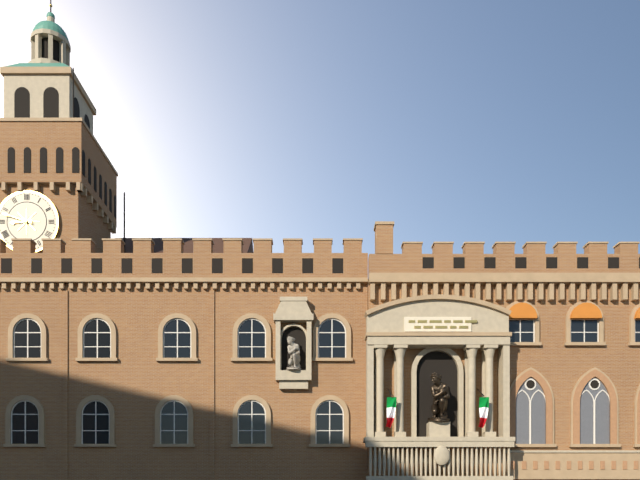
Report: **8:48**
